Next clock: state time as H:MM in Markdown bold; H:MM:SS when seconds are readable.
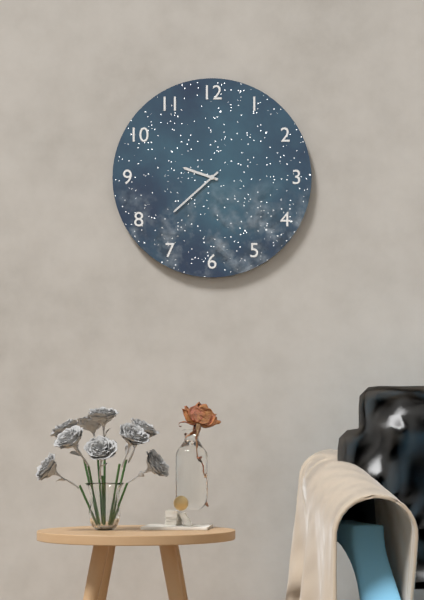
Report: **9:38**
